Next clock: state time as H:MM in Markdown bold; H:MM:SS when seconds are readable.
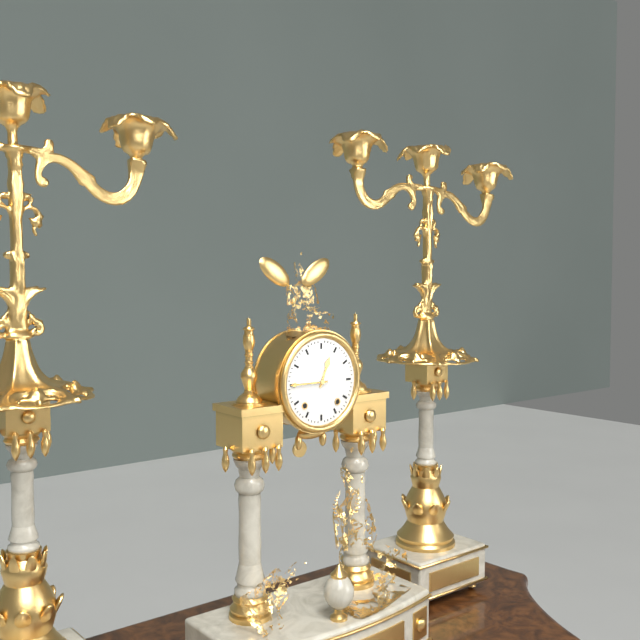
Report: **12:45**
